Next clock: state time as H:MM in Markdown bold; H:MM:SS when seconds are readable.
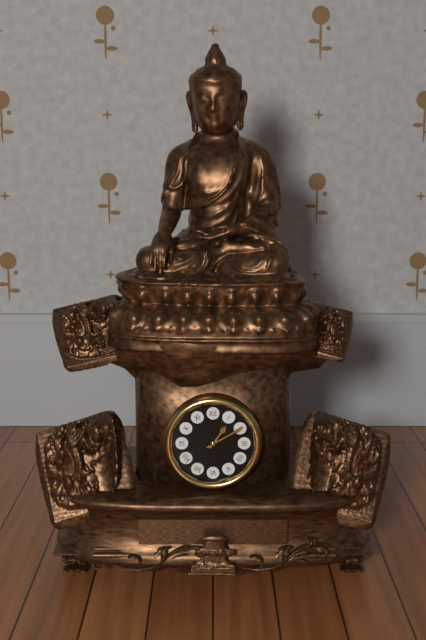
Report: **1:10**
